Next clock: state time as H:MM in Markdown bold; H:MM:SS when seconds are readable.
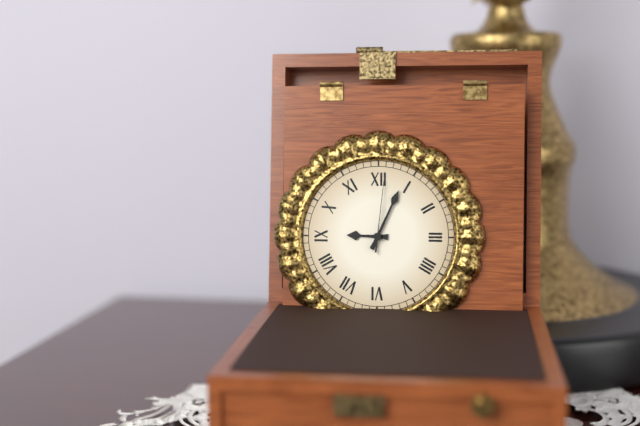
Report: **9:04:01**
